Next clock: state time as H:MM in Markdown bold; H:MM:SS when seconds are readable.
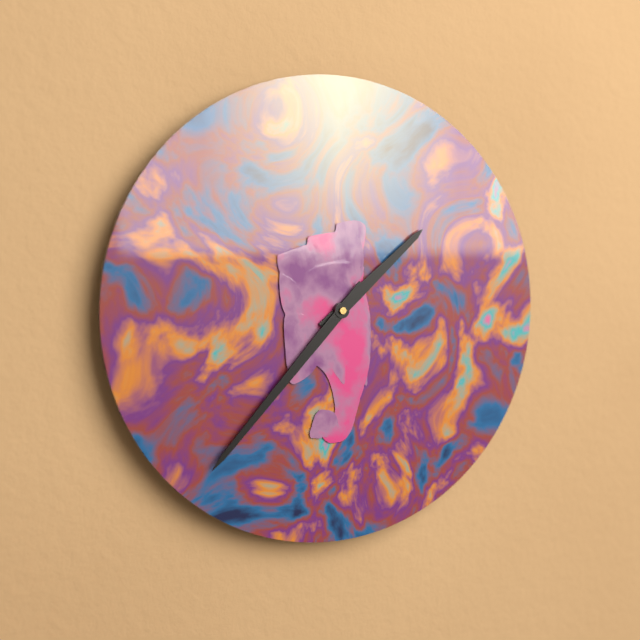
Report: **1:37**
